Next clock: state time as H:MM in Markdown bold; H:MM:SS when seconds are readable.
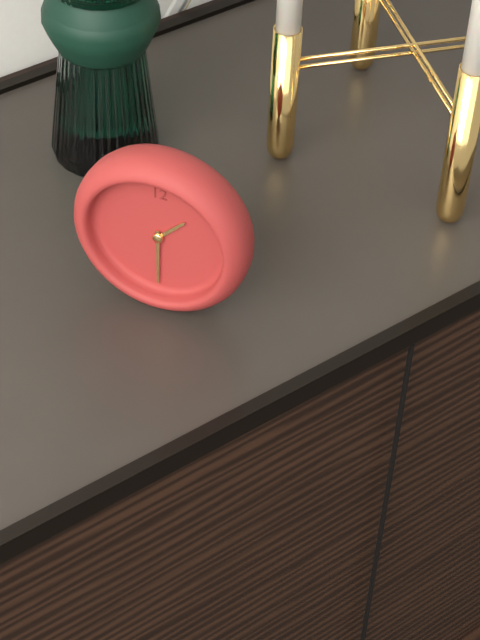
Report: **1:30**
